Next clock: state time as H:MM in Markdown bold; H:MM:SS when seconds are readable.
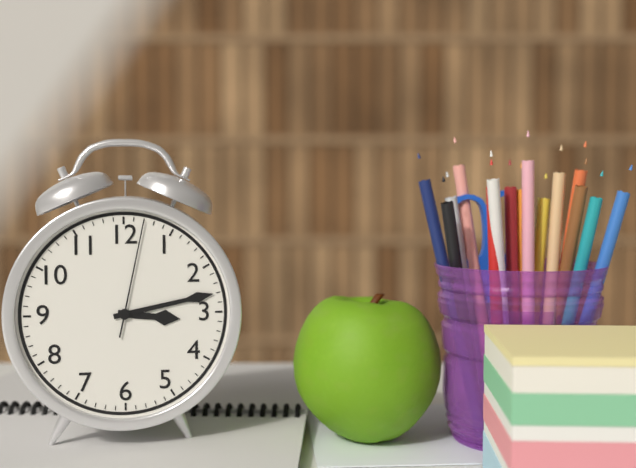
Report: **3:13:02**
